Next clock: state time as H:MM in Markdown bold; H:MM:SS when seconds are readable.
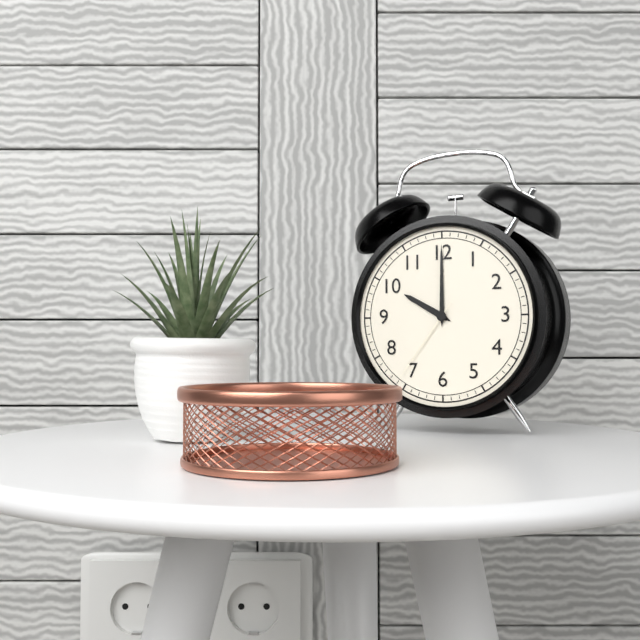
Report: **10:00:36**
